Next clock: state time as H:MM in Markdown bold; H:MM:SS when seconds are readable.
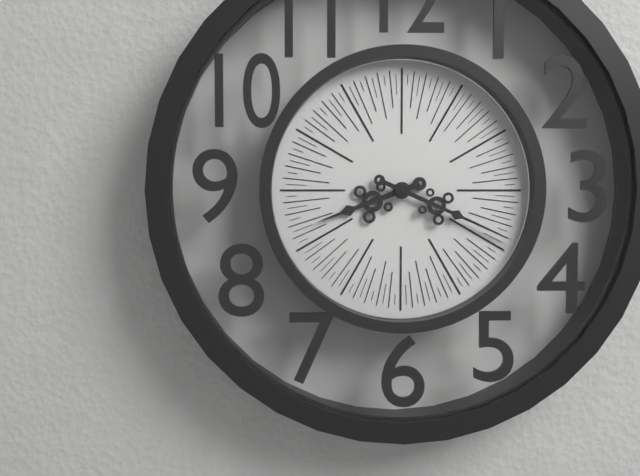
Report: **8:19**
